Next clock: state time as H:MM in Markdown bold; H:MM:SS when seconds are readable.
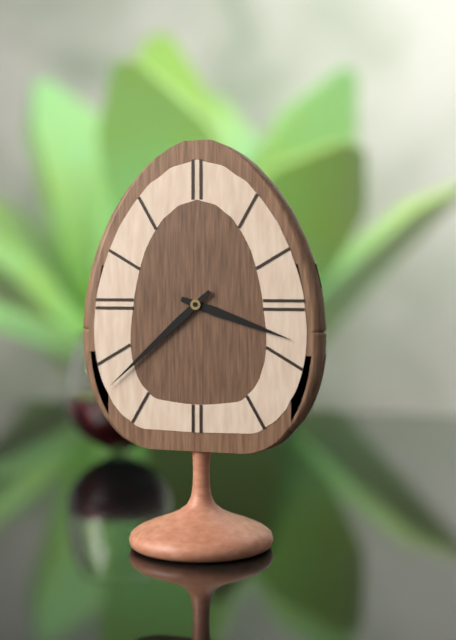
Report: **3:38**
